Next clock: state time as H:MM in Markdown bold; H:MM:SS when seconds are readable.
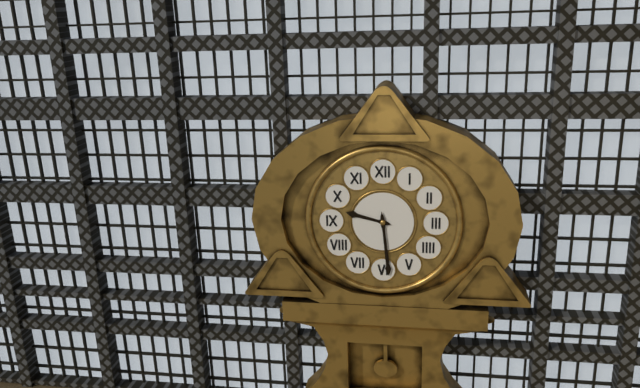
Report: **9:29**
